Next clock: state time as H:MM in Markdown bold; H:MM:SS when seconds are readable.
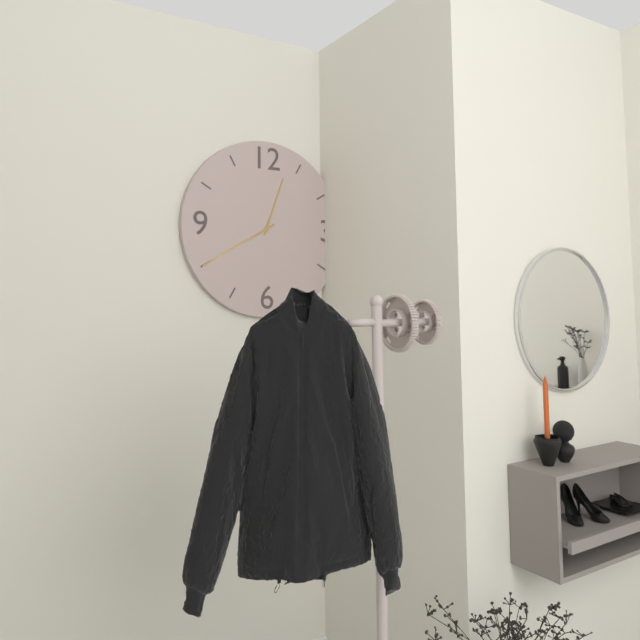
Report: **12:40**
